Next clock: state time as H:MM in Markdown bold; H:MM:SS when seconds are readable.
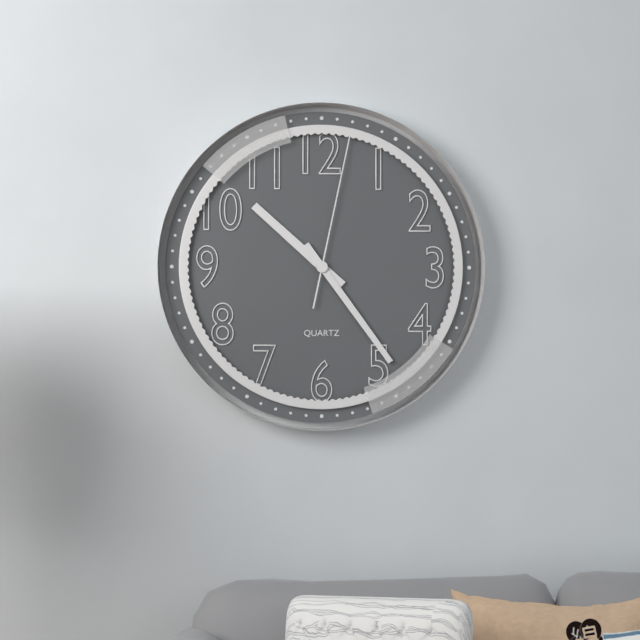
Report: **10:24:02**
